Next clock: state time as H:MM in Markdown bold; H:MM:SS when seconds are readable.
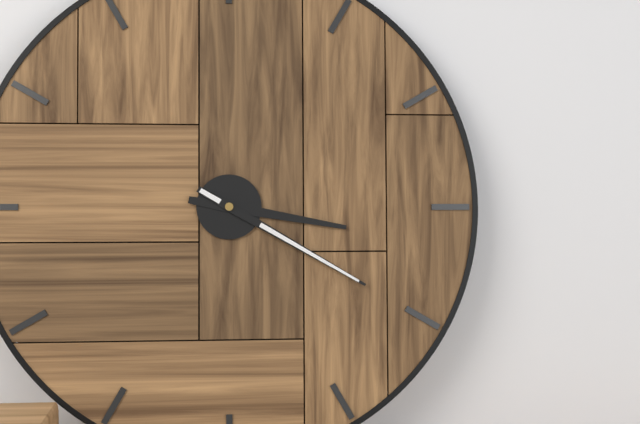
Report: **3:20**
